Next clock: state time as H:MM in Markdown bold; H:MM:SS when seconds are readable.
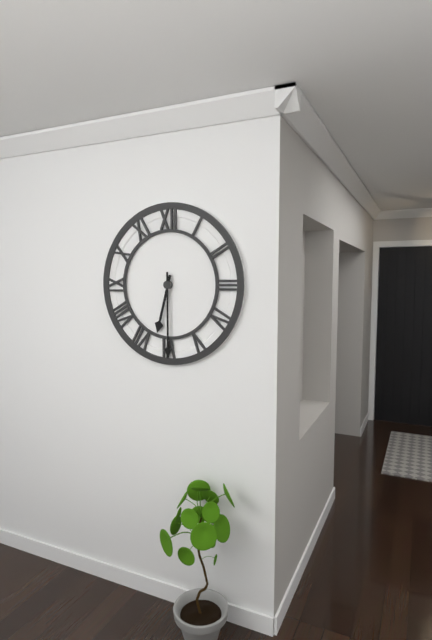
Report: **6:30**
